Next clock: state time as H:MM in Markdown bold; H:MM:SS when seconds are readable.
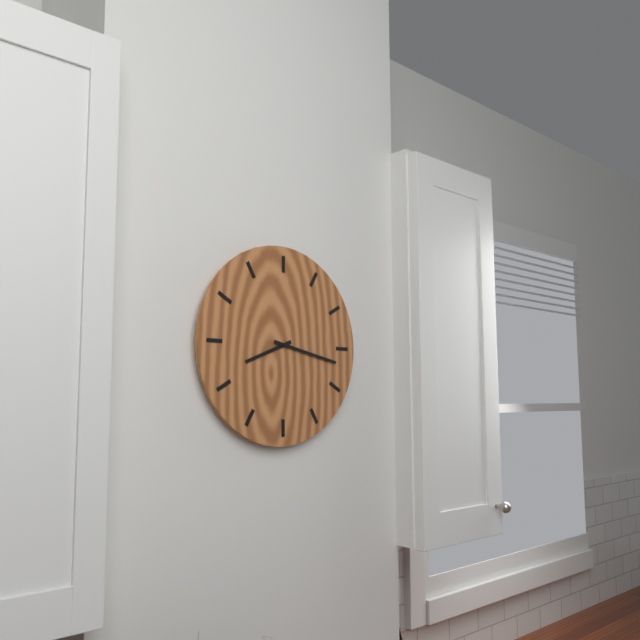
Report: **8:17**
